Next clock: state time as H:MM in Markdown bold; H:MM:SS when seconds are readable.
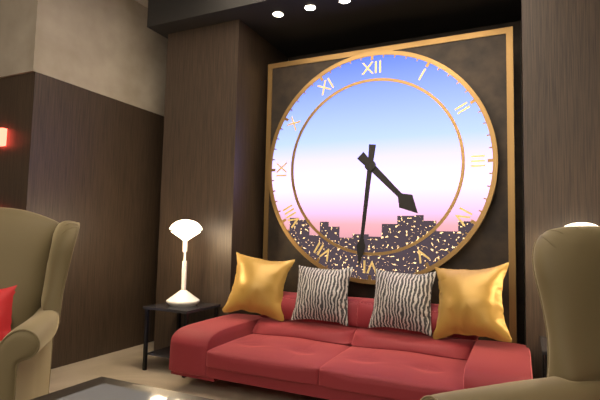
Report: **4:31**
